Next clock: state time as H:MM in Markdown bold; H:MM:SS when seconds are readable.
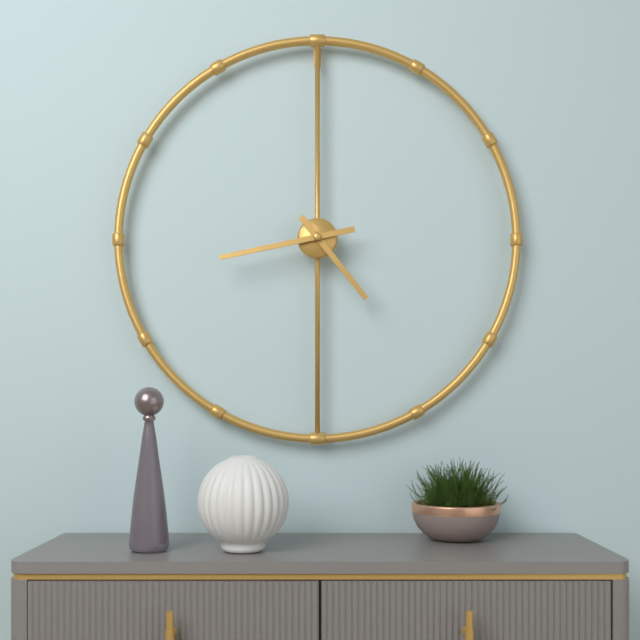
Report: **4:43**
